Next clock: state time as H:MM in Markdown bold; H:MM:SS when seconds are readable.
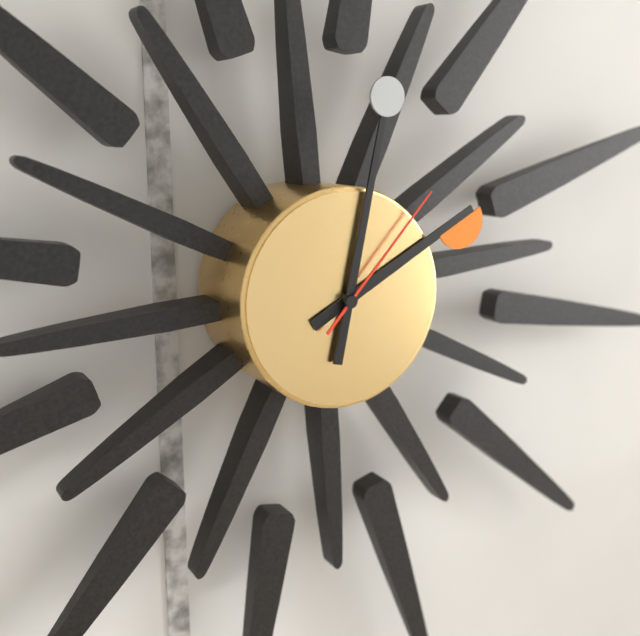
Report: **2:02:07**
